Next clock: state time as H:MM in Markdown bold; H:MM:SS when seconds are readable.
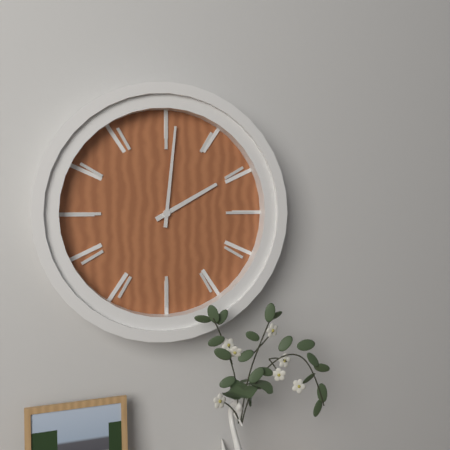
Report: **2:01**
